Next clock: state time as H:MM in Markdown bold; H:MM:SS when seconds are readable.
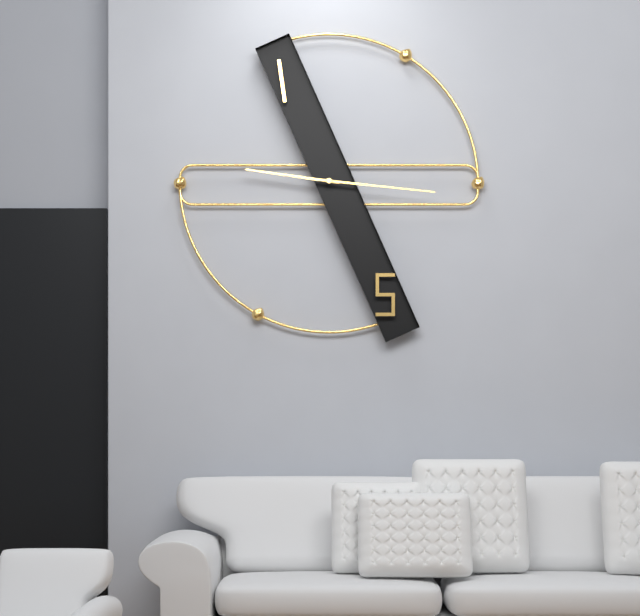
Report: **9:16**
